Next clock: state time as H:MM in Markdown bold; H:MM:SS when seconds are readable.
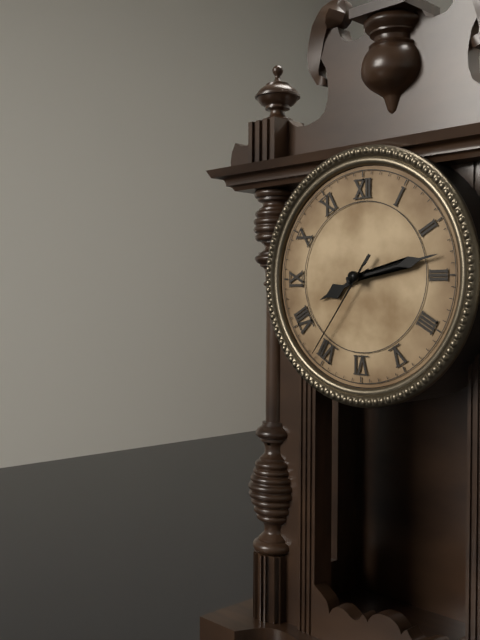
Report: **8:13:36**
